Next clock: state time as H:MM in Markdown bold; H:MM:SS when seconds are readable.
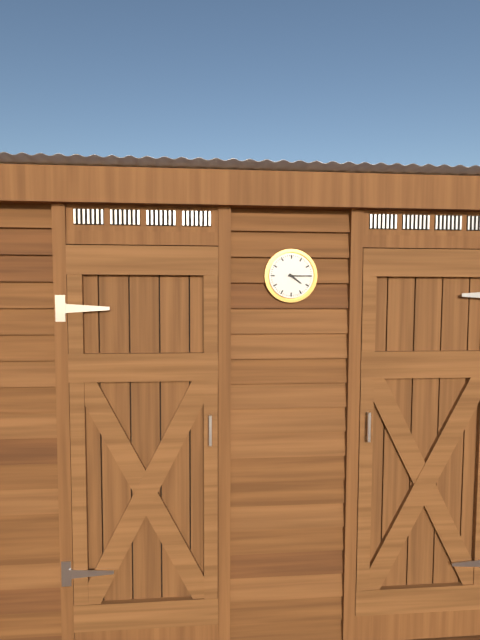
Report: **4:15**
